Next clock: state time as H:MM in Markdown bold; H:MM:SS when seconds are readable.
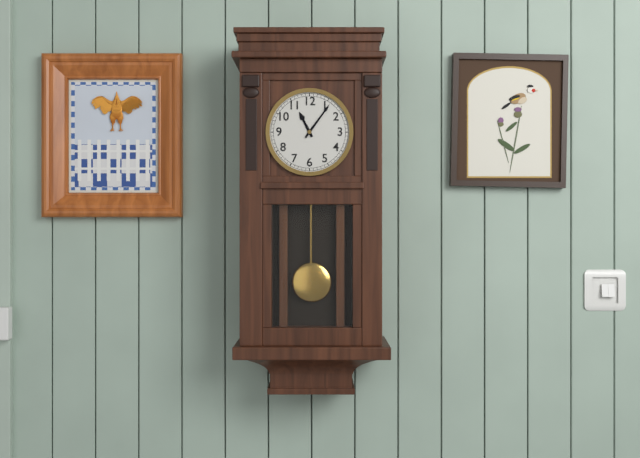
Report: **11:06**
